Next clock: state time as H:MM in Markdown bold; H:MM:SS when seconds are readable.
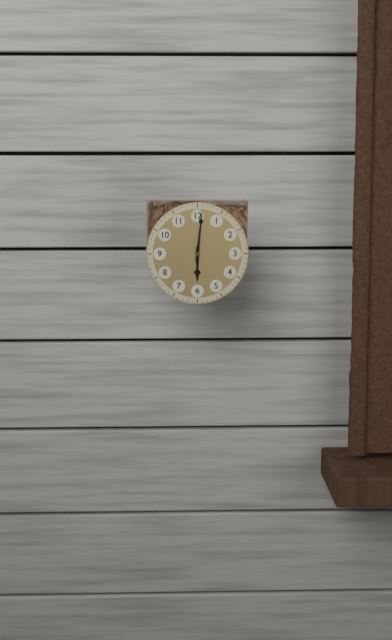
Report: **6:01**
